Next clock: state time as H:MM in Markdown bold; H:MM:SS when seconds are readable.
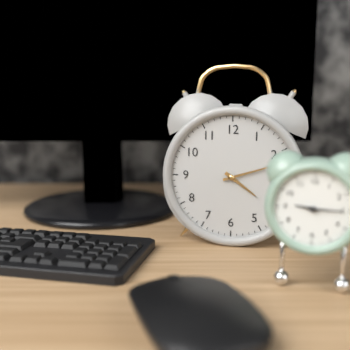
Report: **4:12**
